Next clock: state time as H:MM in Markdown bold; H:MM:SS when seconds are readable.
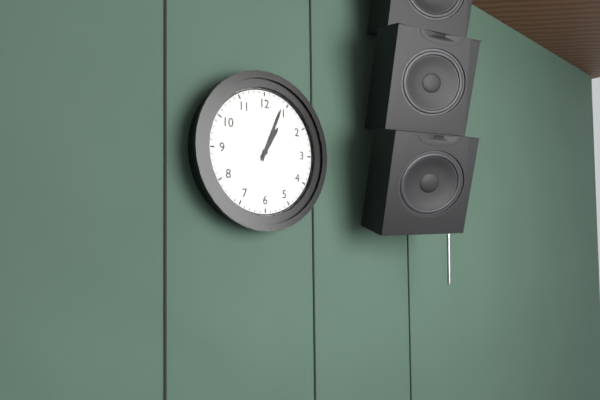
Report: **1:04**
